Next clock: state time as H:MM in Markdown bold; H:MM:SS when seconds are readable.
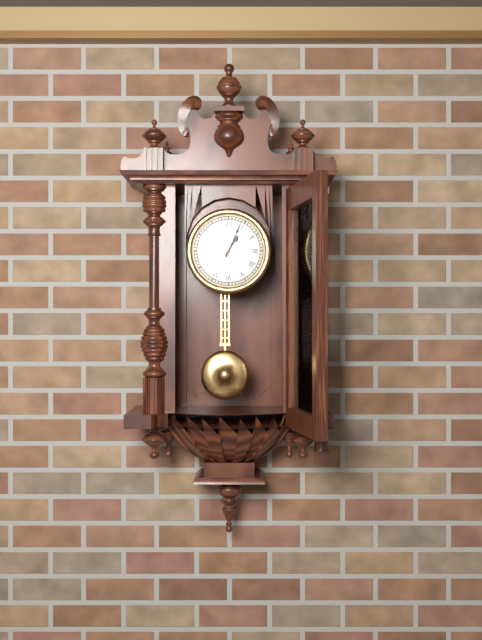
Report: **1:04**
